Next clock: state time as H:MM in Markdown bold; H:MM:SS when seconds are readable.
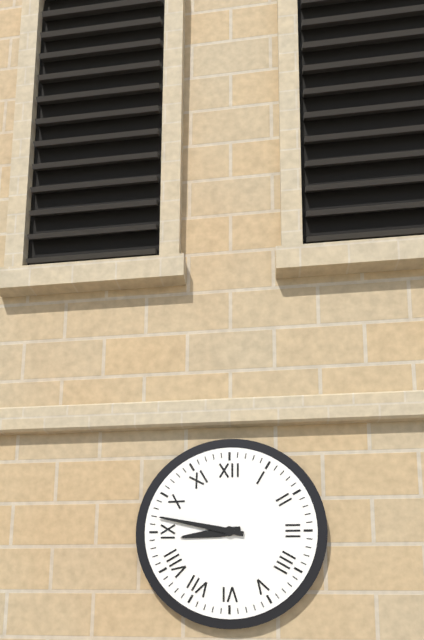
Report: **8:47**
